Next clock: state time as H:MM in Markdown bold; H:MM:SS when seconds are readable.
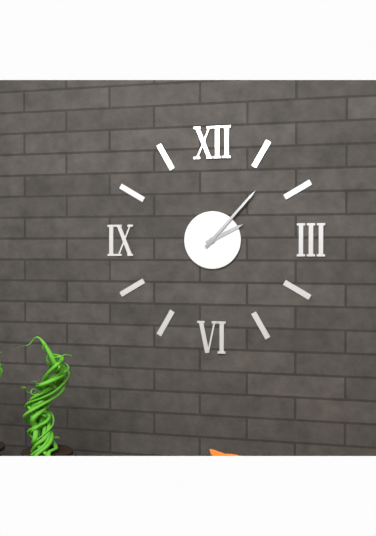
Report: **2:07**
